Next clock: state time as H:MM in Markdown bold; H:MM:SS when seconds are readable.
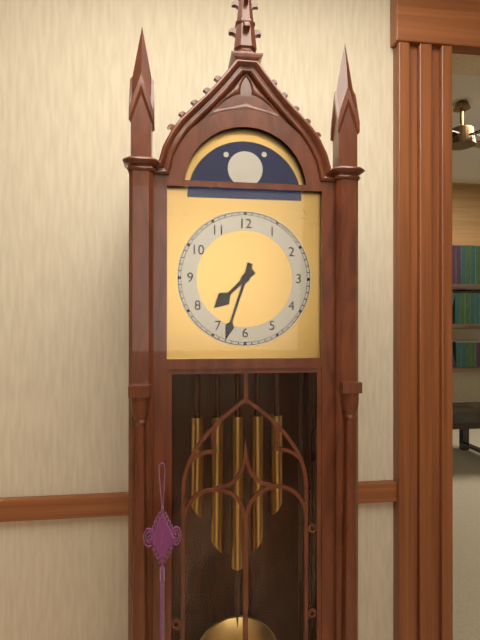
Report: **7:33**
